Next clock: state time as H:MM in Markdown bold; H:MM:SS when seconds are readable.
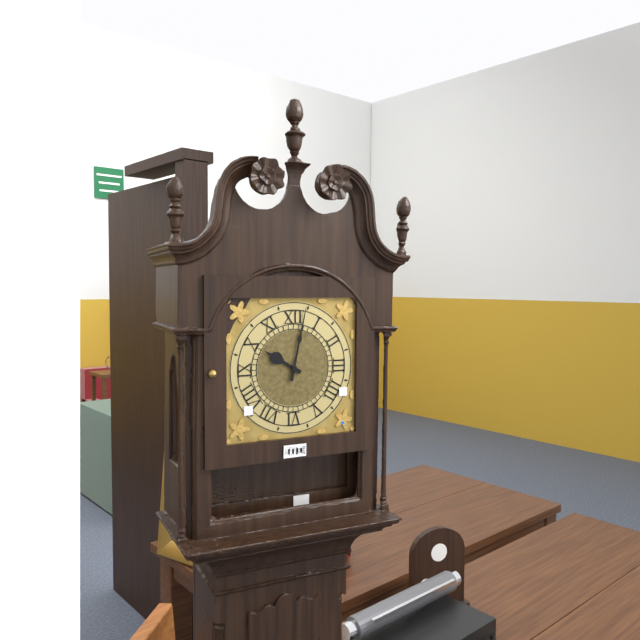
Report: **10:02**
